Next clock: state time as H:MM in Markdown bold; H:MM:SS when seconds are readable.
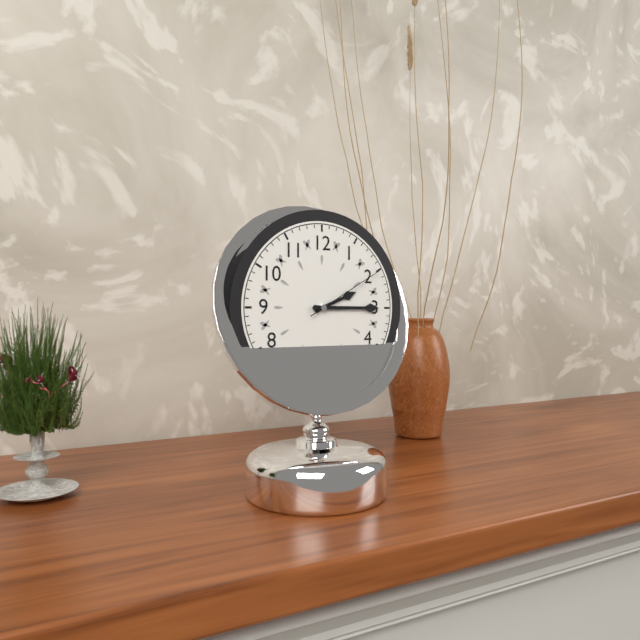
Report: **2:15:10**
